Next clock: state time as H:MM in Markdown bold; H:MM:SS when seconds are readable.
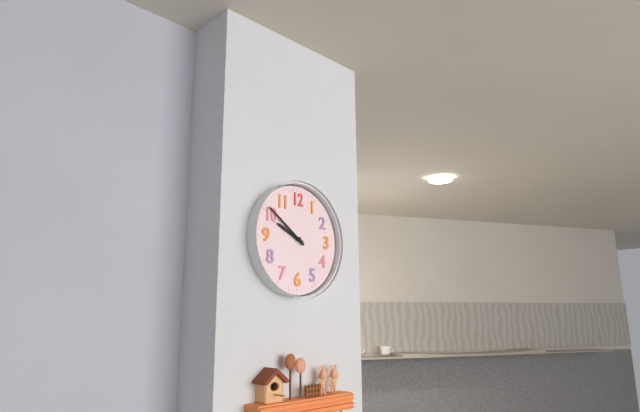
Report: **9:51**
